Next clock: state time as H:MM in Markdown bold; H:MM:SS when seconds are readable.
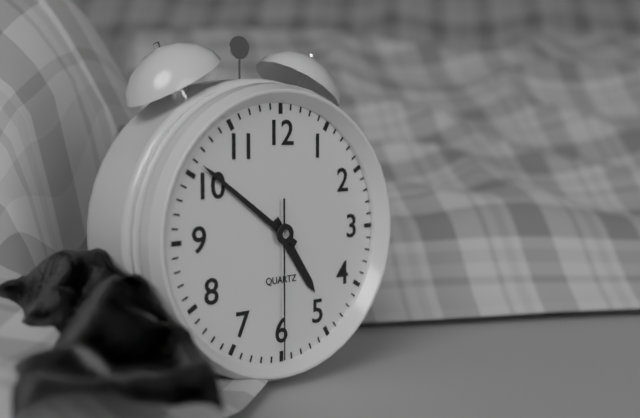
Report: **4:51:30**
